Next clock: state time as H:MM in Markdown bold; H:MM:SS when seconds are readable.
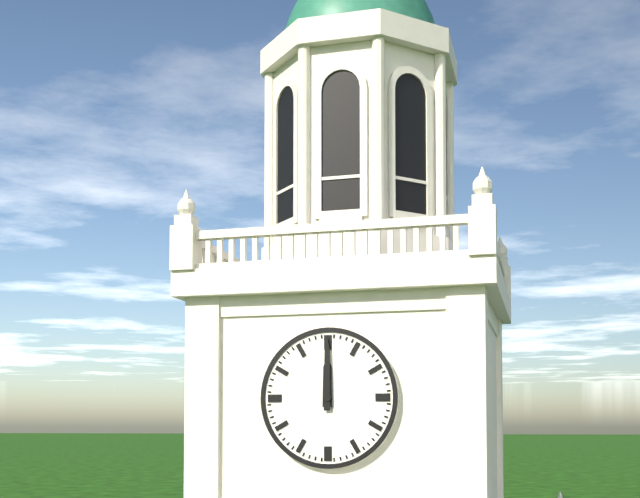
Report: **12:00**
